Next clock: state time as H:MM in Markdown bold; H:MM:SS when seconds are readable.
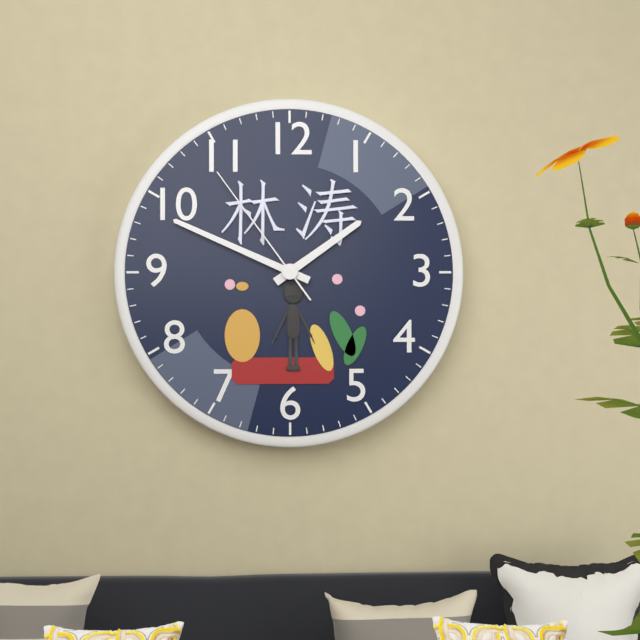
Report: **1:49:54**
